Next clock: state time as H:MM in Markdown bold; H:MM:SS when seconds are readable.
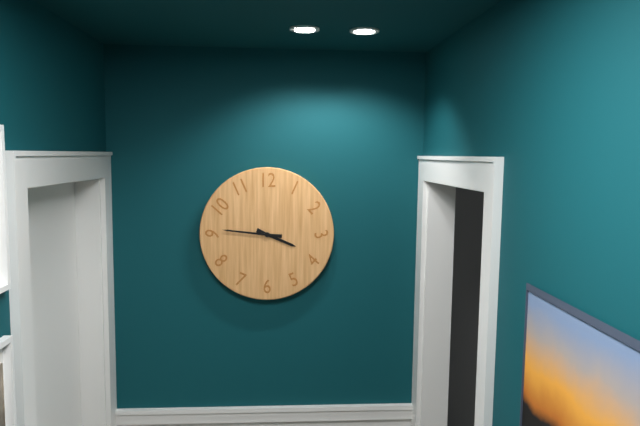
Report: **3:46**
